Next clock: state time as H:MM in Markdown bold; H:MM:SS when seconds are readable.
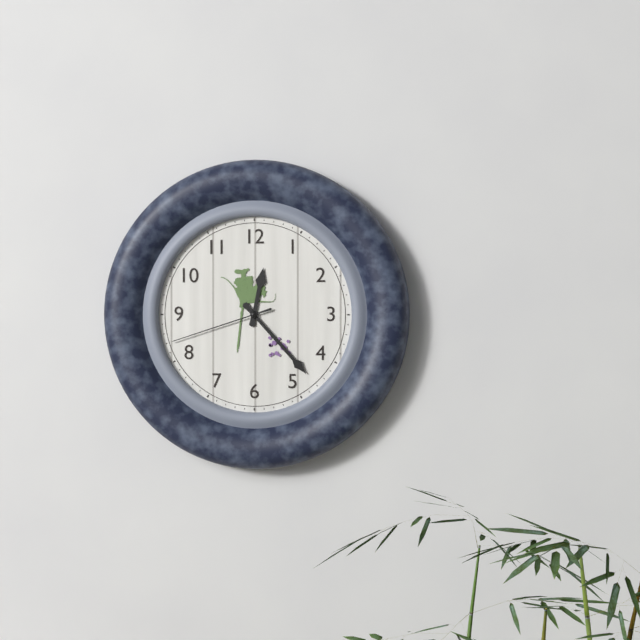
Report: **12:23:42**
